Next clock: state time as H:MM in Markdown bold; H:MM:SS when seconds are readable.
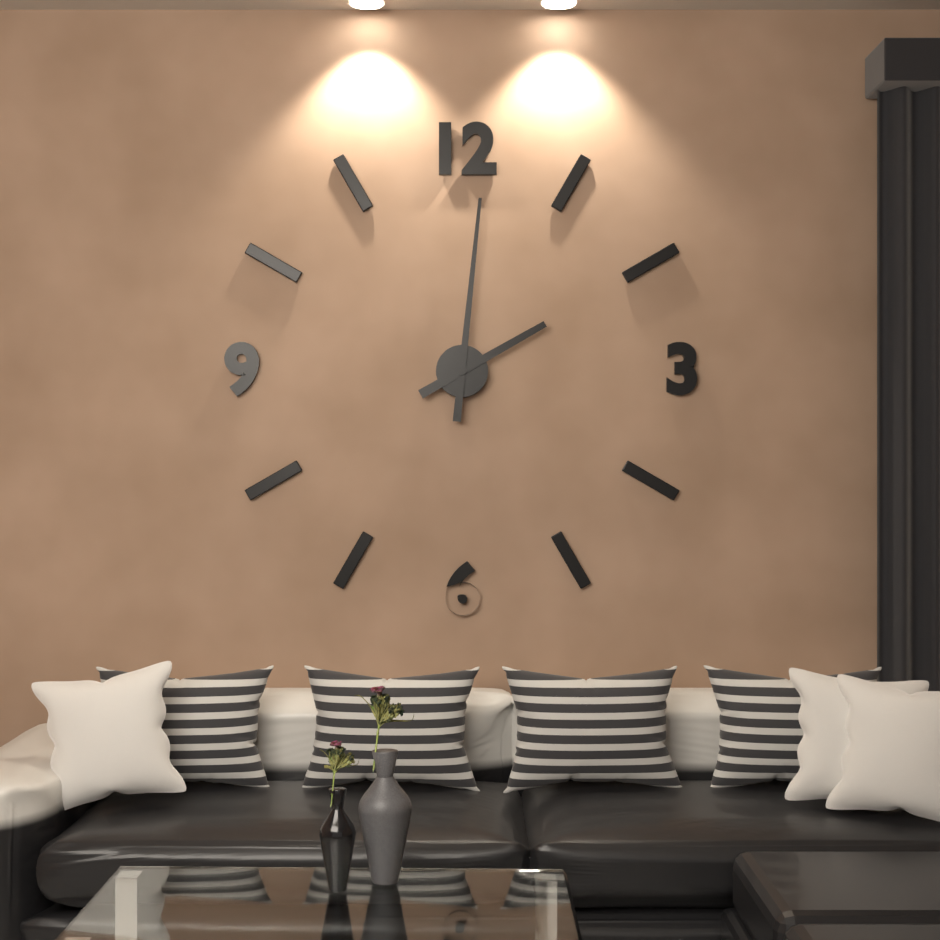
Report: **2:01**
